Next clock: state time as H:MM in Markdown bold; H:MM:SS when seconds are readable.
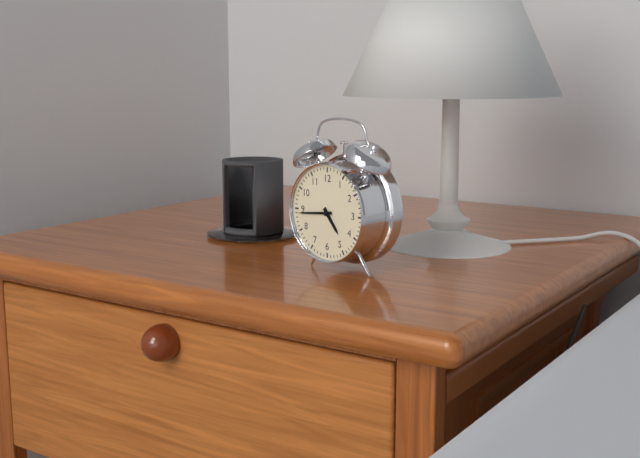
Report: **4:44**
